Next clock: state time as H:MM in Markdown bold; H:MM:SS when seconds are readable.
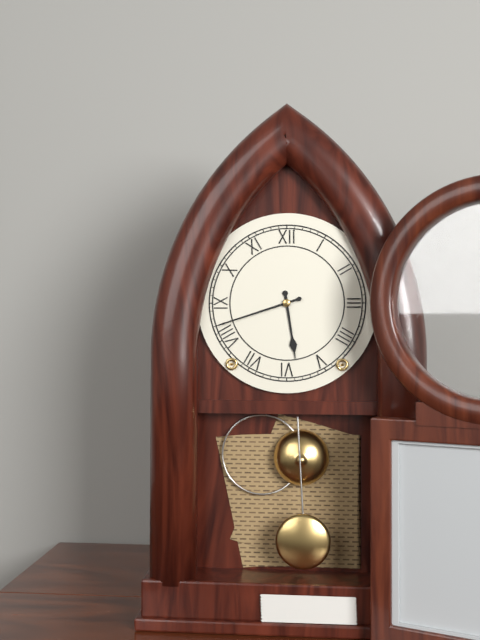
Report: **5:42**
